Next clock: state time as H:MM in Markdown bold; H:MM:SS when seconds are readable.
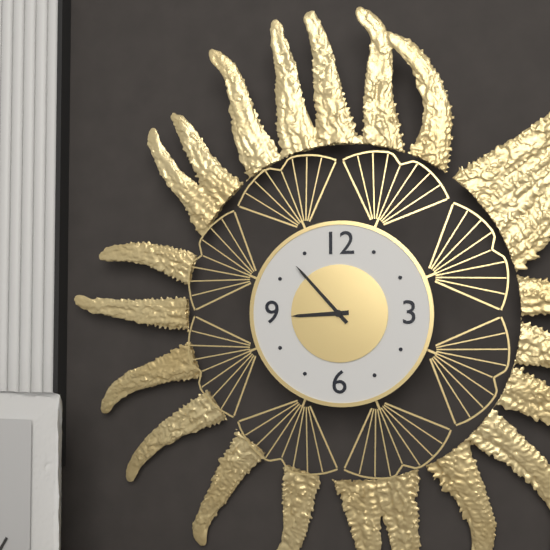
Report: **8:53**
